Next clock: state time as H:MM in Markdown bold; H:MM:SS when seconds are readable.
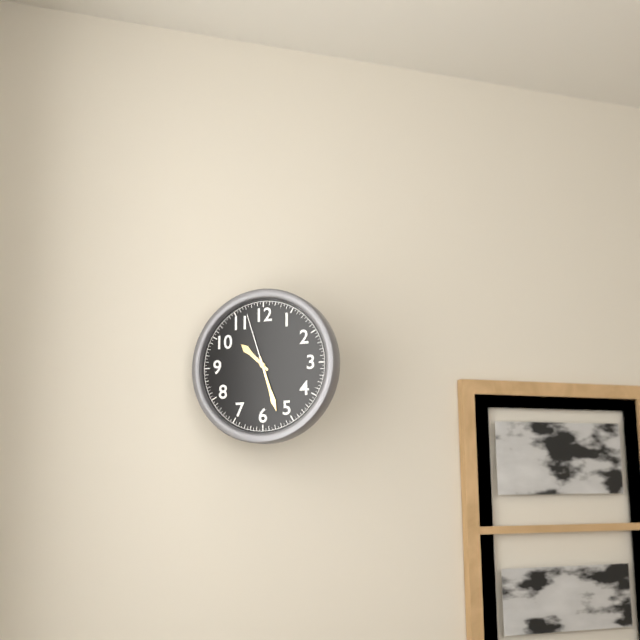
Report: **10:27:57**
